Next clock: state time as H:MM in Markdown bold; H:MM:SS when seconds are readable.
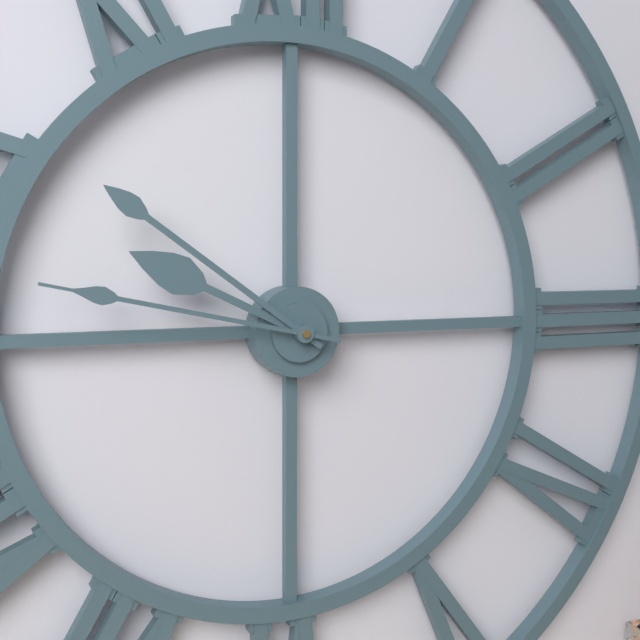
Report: **9:51:47**
